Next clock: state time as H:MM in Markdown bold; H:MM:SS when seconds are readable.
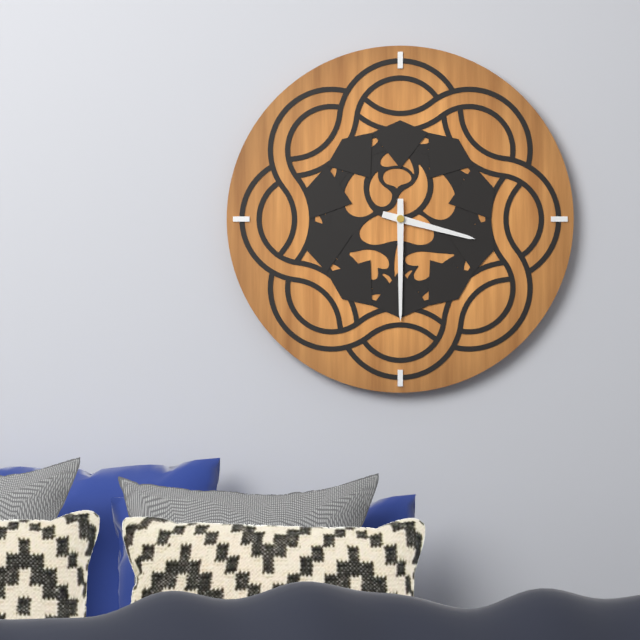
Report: **3:30**
